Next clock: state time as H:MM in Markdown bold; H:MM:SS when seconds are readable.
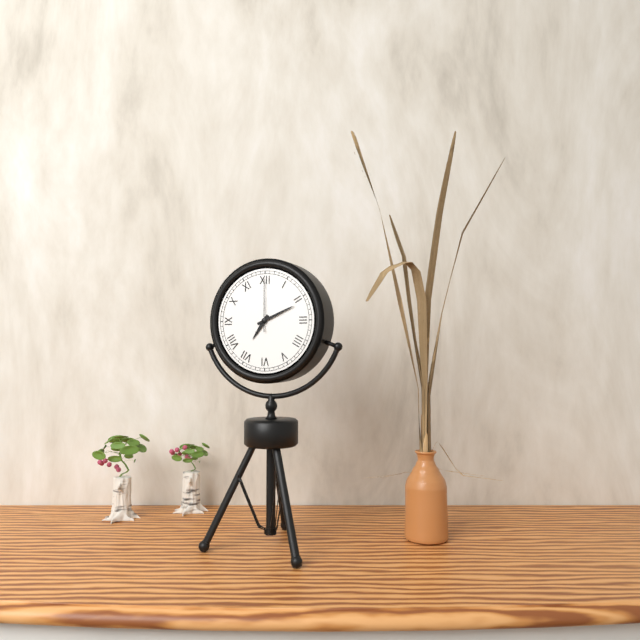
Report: **7:11:00**
